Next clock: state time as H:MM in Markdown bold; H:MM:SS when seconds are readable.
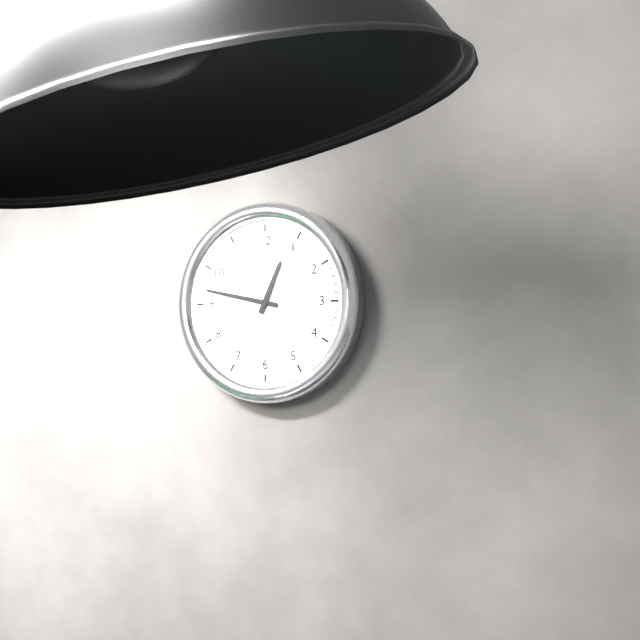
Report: **12:47**
